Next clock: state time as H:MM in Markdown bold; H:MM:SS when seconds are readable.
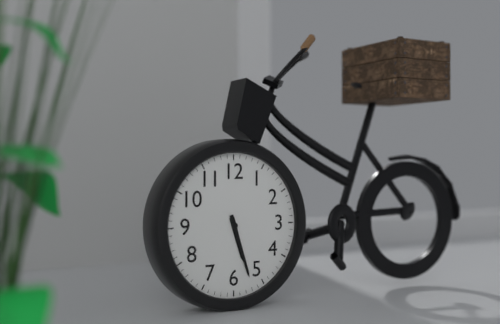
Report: **5:27**
